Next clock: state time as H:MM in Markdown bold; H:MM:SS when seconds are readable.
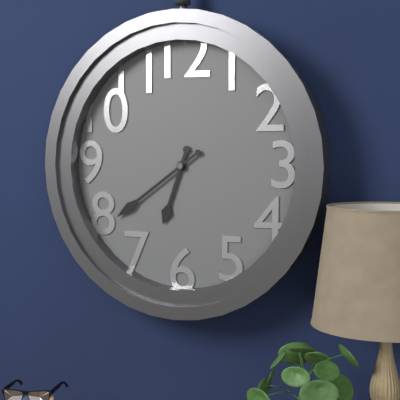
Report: **6:39**
